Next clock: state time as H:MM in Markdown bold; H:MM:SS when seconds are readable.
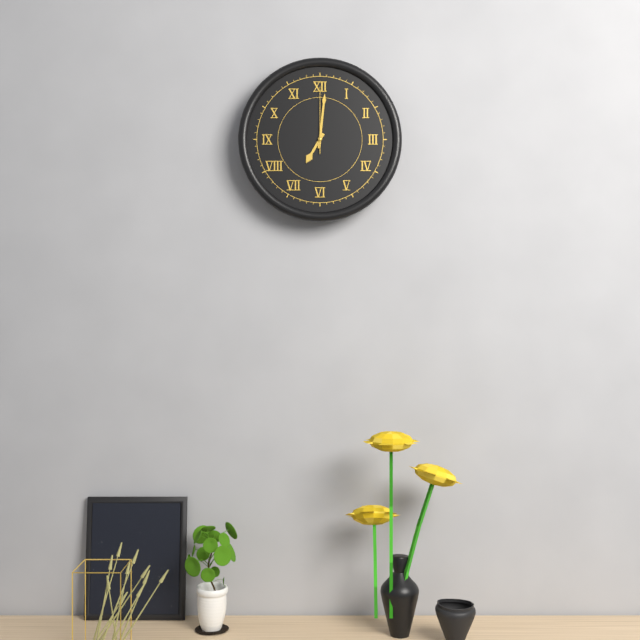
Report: **7:01:00**
